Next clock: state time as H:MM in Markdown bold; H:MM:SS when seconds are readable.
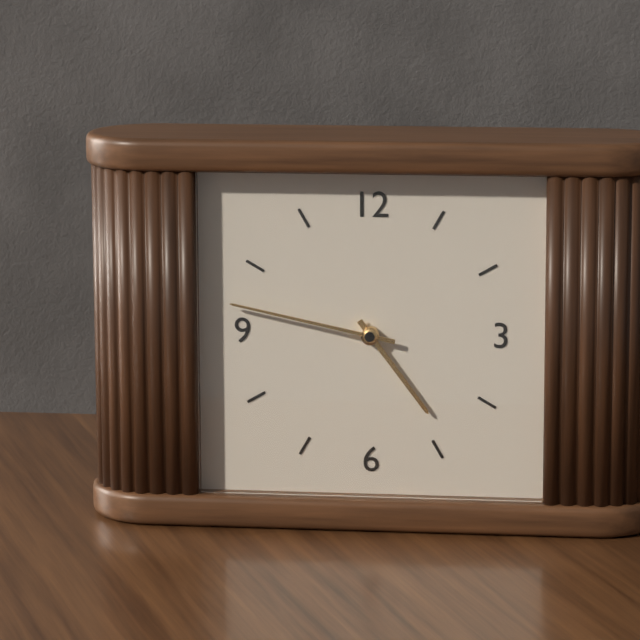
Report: **4:47**
